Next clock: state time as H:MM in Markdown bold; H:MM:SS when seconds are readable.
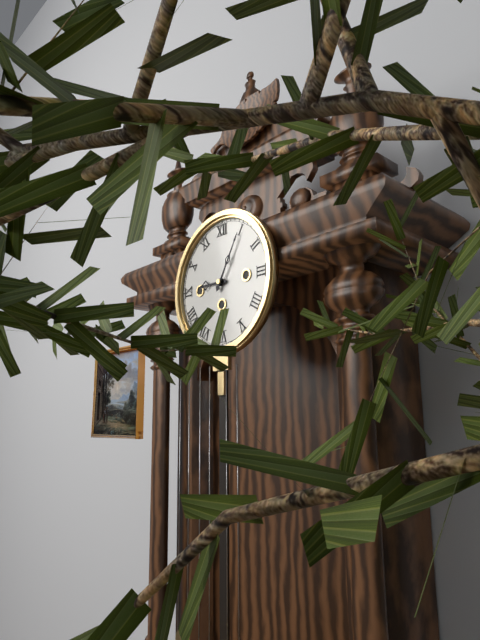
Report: **9:05**
